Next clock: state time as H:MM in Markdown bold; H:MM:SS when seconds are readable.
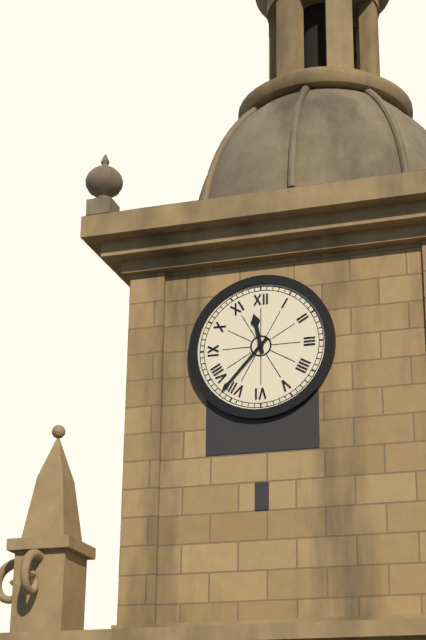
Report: **11:37**
